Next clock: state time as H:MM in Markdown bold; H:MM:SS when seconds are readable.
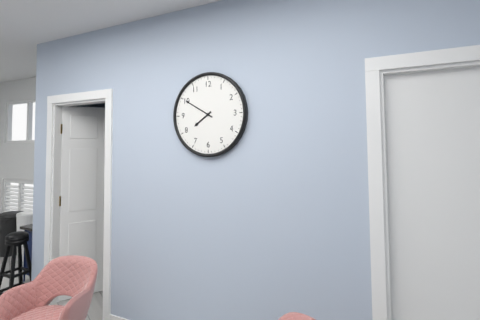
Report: **7:50**
